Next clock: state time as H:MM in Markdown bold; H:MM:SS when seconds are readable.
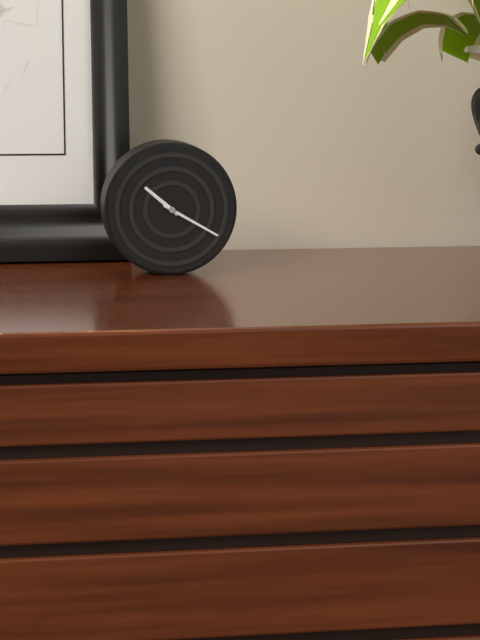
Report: **10:20**
